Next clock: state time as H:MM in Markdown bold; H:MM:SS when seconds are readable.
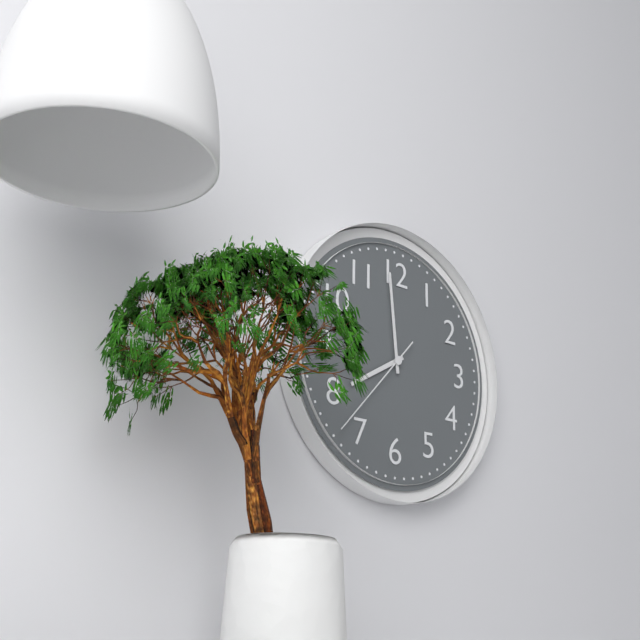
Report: **7:59:37**
